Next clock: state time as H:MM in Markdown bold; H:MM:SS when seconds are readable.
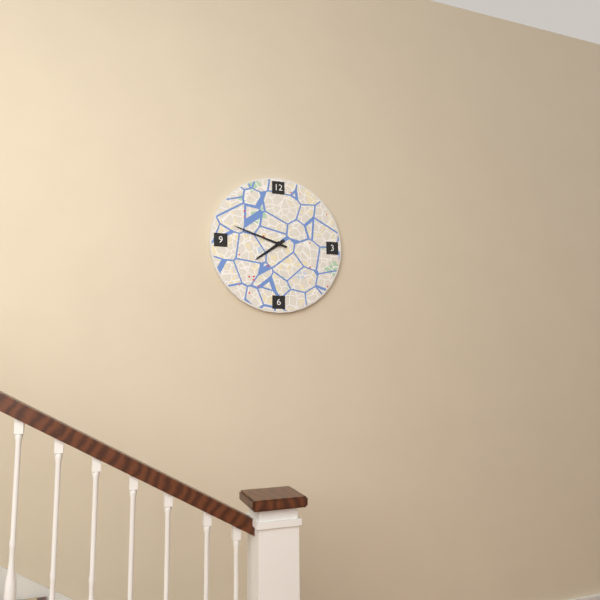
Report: **7:48**
